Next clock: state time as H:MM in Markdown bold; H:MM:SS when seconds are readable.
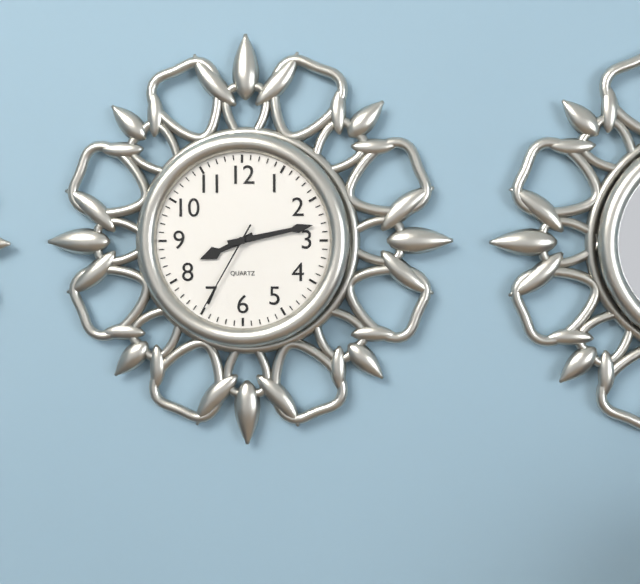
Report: **8:13:35**
